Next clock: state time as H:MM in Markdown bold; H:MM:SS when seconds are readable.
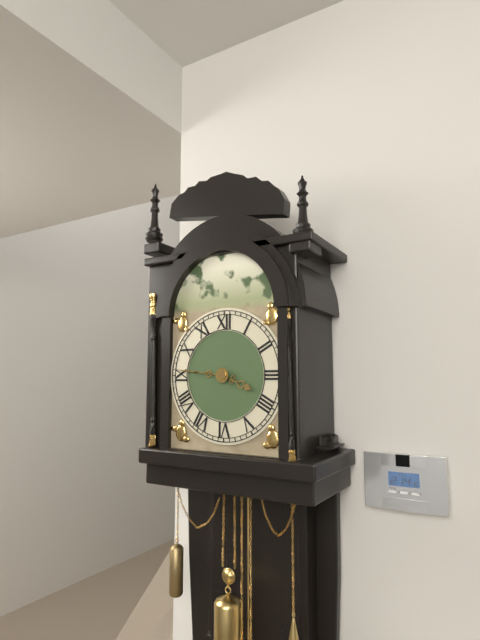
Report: **3:46**
